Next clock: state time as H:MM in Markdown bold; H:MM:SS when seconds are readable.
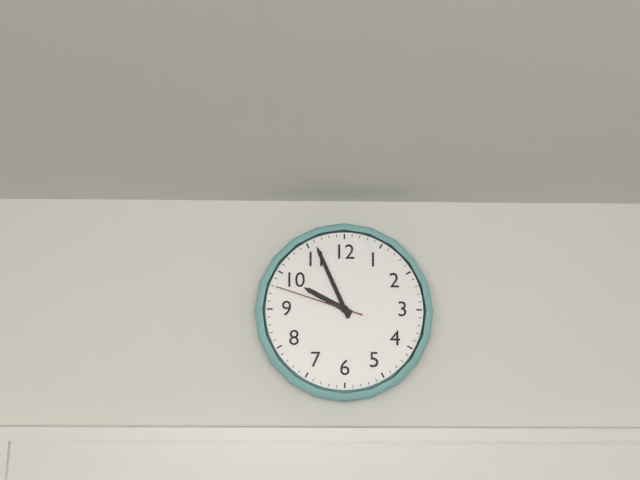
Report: **9:56:48**
